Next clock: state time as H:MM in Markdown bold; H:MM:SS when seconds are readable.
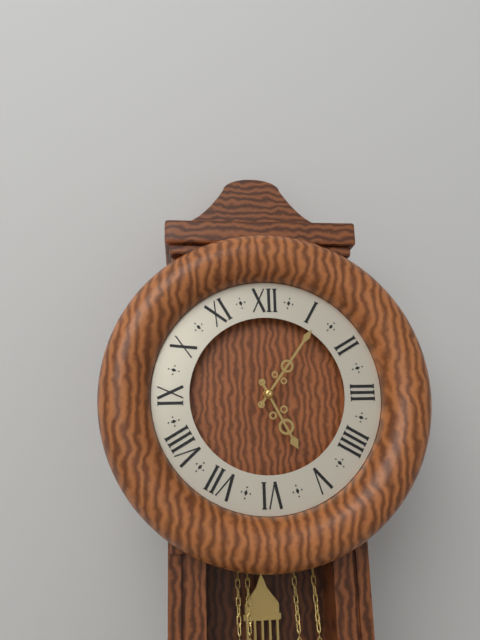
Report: **5:06**
